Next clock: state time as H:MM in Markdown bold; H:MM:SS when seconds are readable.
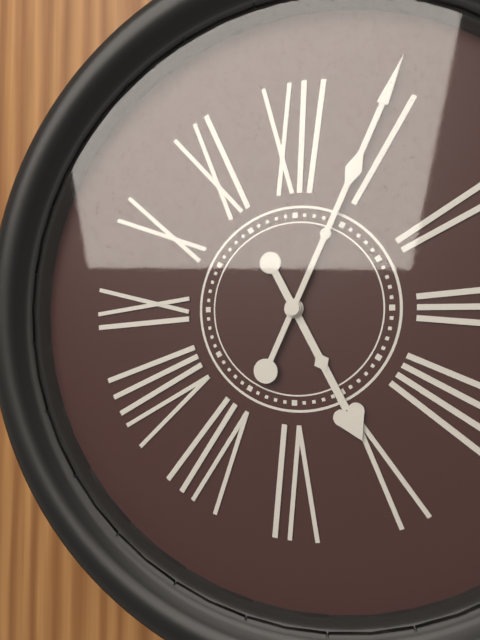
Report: **5:04**
